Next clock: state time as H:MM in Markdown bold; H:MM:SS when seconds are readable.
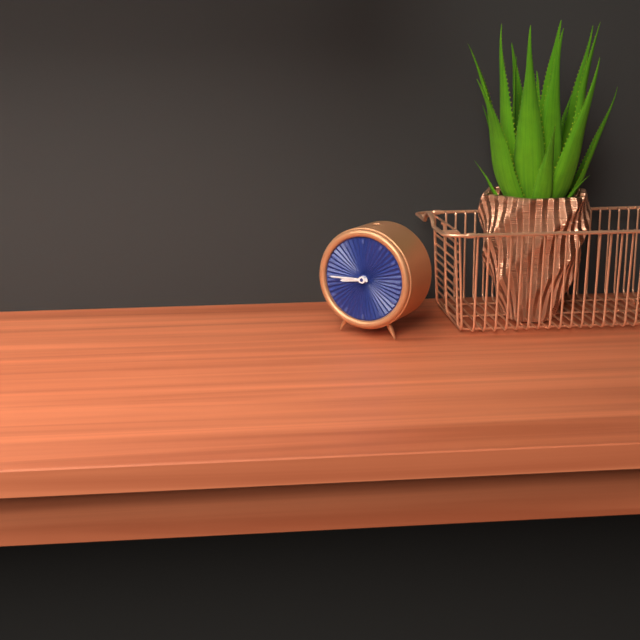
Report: **8:45**
